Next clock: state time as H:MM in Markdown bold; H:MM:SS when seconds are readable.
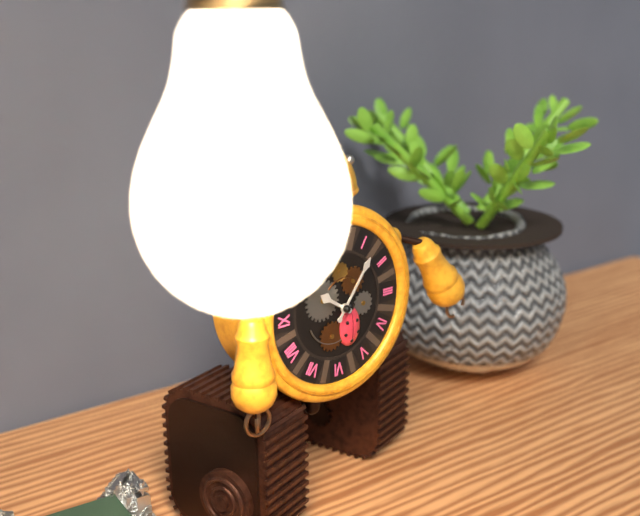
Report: **10:06**
